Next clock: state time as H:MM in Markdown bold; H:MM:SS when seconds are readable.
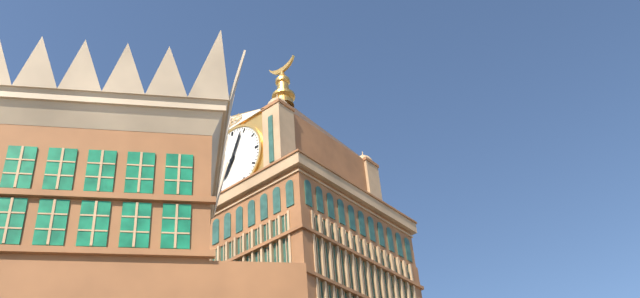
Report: **7:04**
